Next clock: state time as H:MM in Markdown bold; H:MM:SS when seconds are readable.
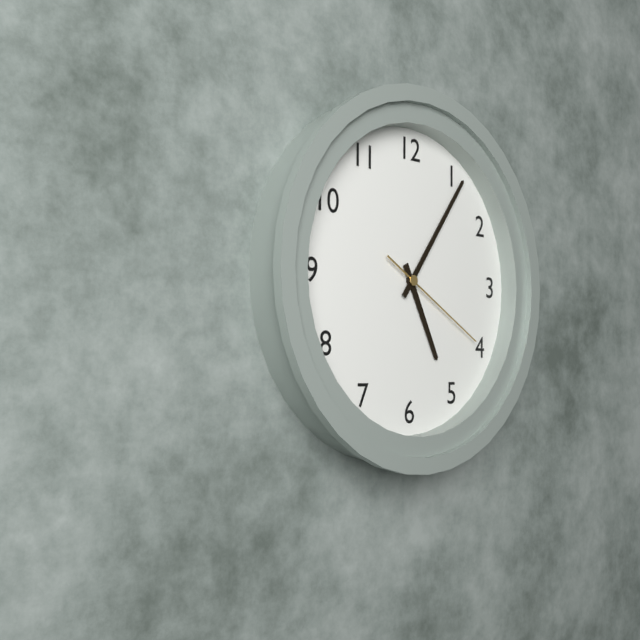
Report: **5:06:20**
